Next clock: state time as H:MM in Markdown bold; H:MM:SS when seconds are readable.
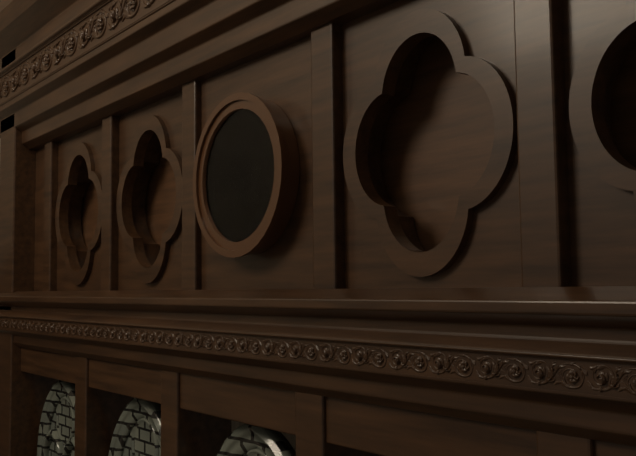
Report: **6:03**
